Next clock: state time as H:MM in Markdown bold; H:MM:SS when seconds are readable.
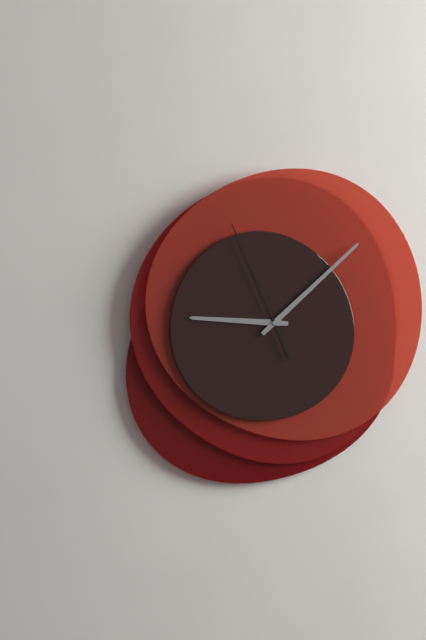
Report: **9:08:56**
